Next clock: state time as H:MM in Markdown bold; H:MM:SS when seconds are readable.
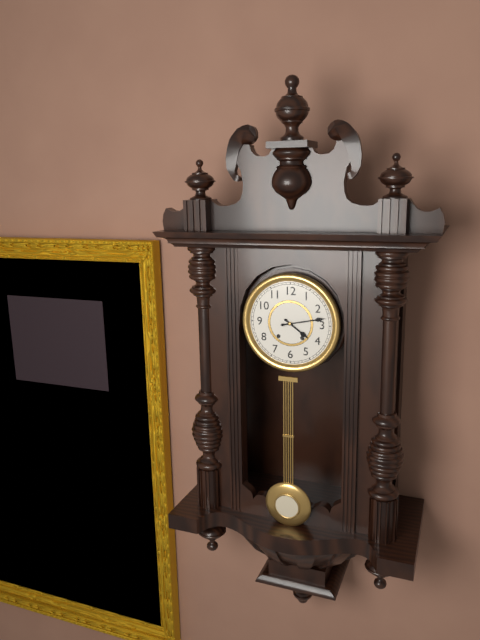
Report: **4:13**
